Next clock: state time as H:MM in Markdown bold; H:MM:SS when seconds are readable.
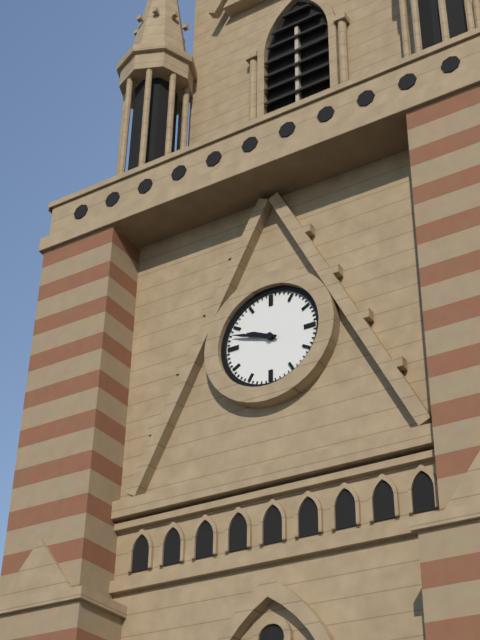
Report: **9:48**
